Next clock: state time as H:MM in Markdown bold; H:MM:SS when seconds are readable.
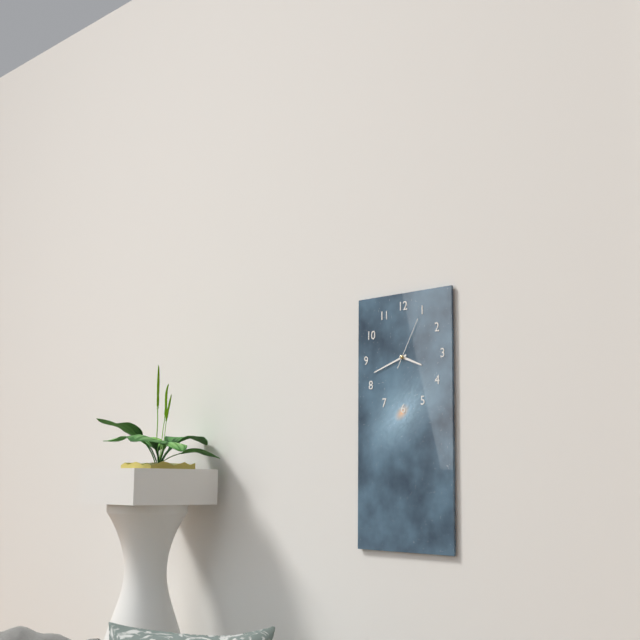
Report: **3:42:05**
